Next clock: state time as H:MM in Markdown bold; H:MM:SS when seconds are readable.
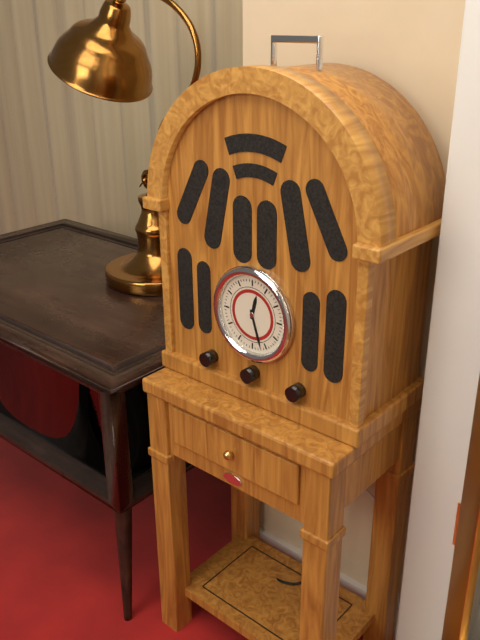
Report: **12:27**
